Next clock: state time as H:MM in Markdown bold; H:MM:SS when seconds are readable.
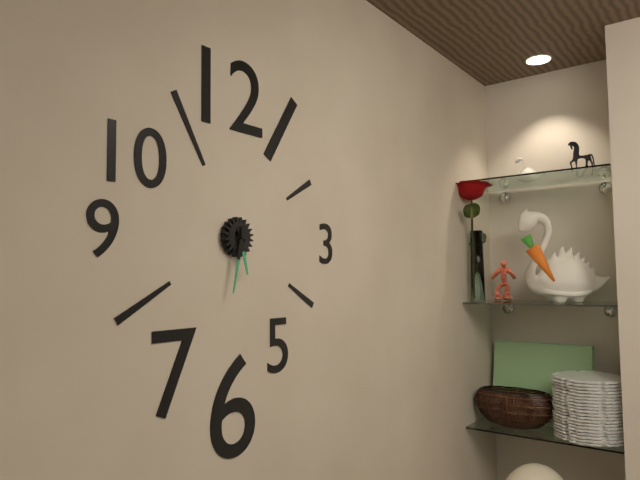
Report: **5:32**
